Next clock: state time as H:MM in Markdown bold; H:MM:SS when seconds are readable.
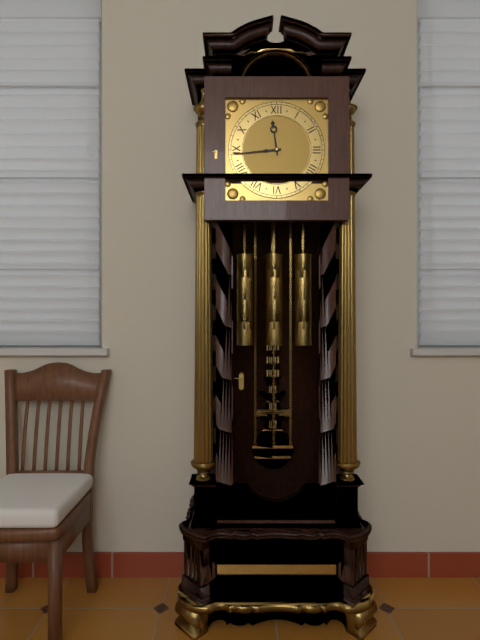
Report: **11:44**
